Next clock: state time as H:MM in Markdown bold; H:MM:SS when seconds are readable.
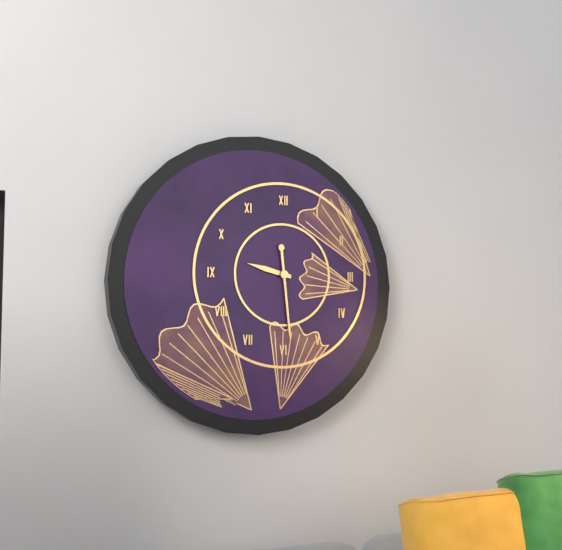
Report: **9:29**
